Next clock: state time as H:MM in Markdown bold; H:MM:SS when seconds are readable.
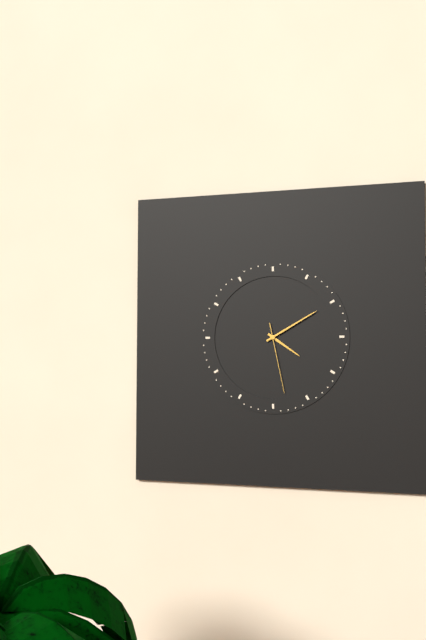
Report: **4:10:28**
